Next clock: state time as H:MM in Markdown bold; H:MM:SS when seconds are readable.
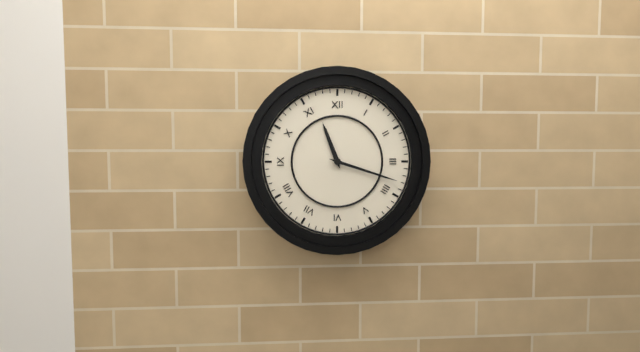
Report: **11:18**
